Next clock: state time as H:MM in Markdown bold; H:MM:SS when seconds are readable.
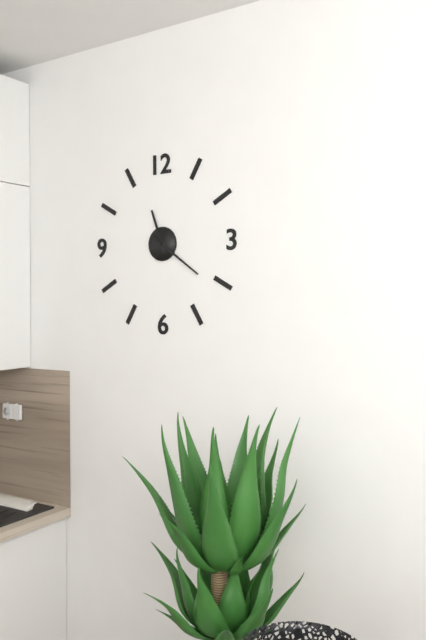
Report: **11:21**
